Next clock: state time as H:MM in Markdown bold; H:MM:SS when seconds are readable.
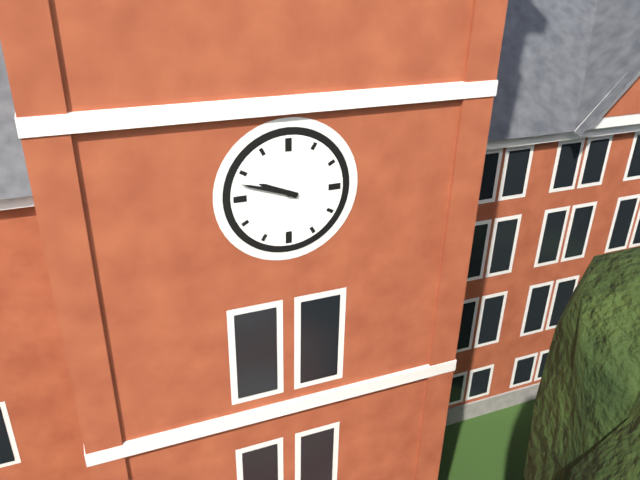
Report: **9:48**
